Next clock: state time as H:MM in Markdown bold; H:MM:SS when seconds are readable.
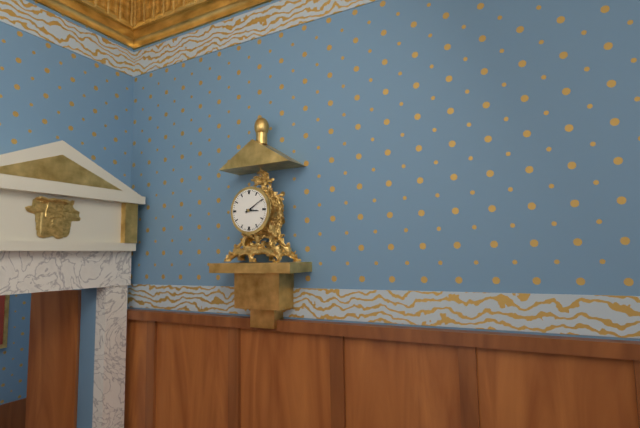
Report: **3:10**
